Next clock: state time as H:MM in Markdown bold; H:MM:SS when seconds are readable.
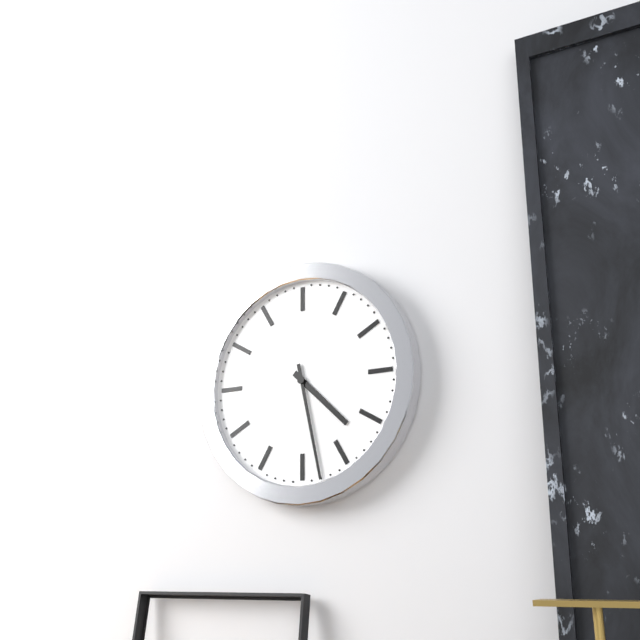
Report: **4:28**
